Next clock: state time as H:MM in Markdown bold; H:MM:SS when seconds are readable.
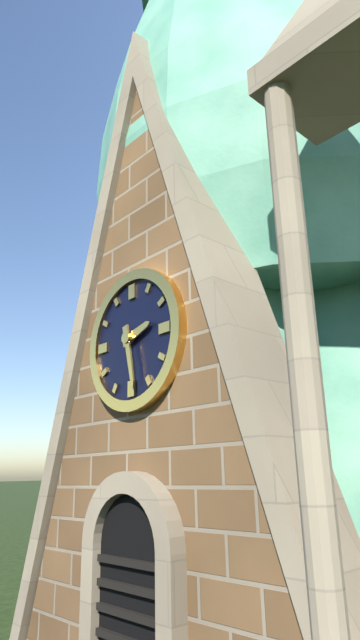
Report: **2:28**
